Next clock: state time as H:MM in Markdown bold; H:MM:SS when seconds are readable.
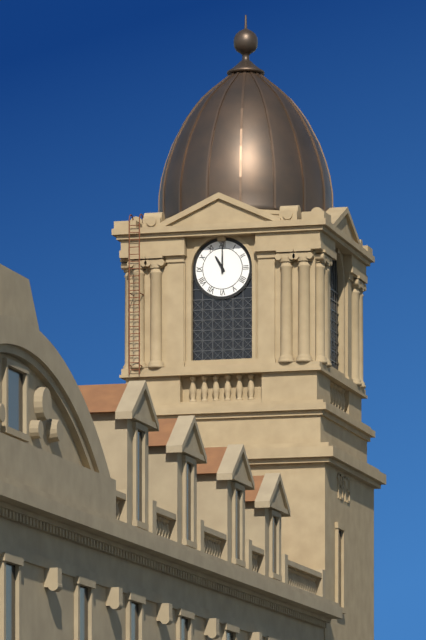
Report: **11:00**
